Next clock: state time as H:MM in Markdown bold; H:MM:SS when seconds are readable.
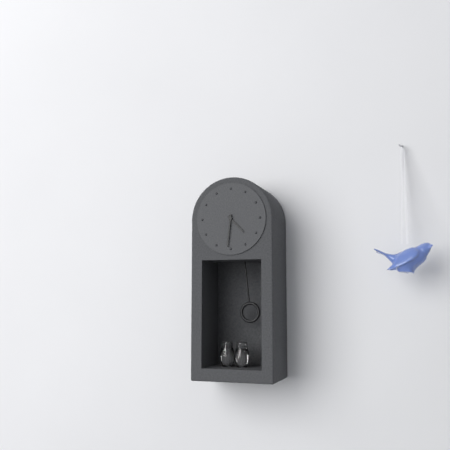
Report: **4:31**
